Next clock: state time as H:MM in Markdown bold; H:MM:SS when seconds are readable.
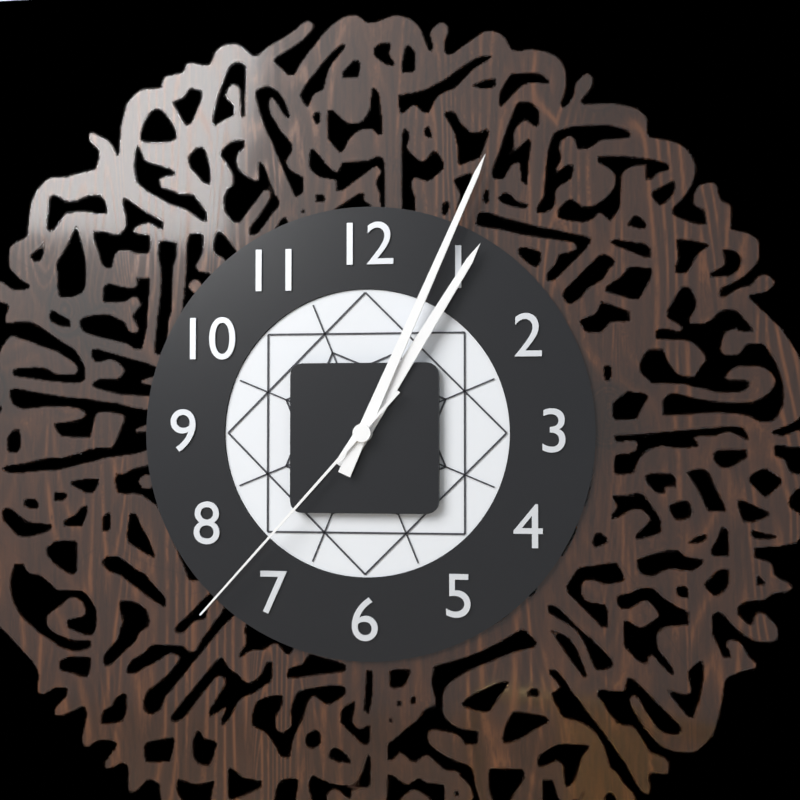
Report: **1:04:37**
